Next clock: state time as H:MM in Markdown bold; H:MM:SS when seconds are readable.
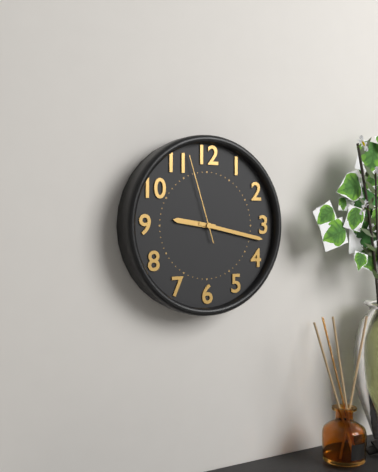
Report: **9:17:57**
